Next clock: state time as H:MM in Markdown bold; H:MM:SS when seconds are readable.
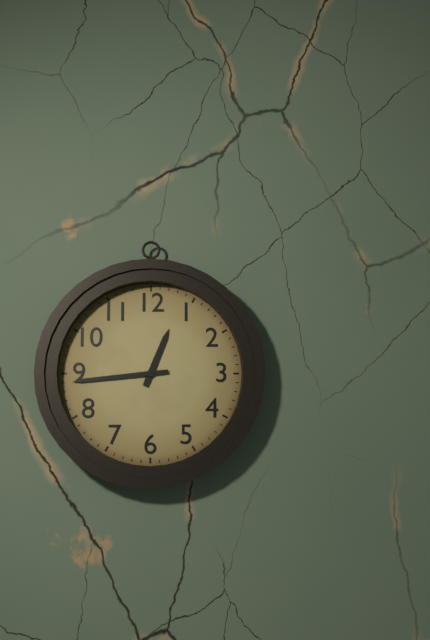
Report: **12:44**
